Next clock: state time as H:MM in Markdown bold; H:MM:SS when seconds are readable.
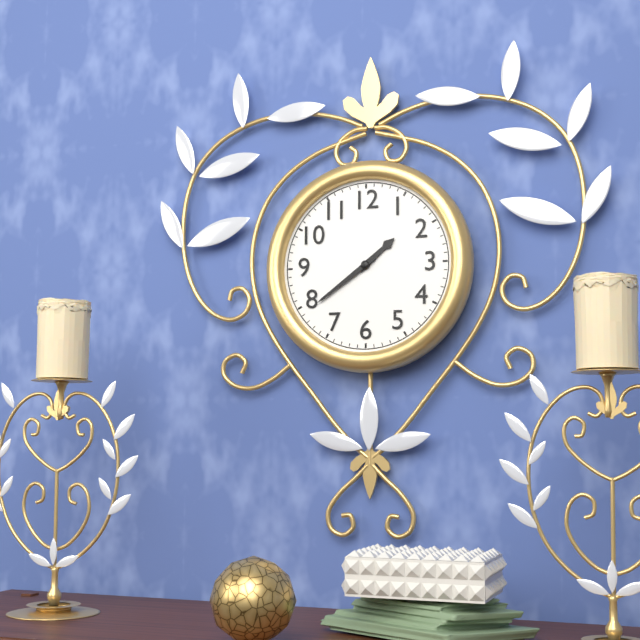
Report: **1:39**
